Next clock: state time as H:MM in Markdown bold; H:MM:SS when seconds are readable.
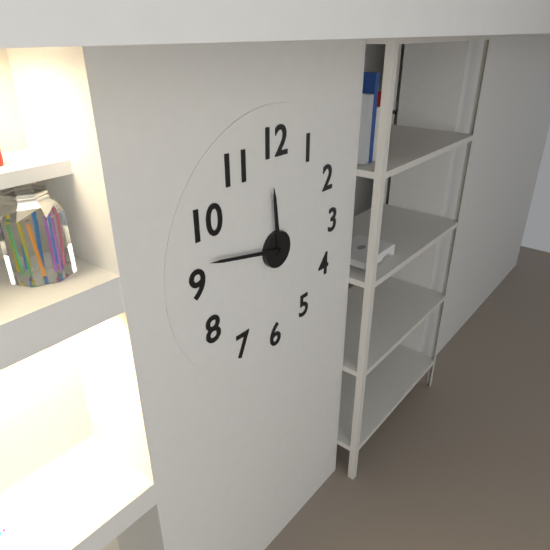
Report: **11:47**
